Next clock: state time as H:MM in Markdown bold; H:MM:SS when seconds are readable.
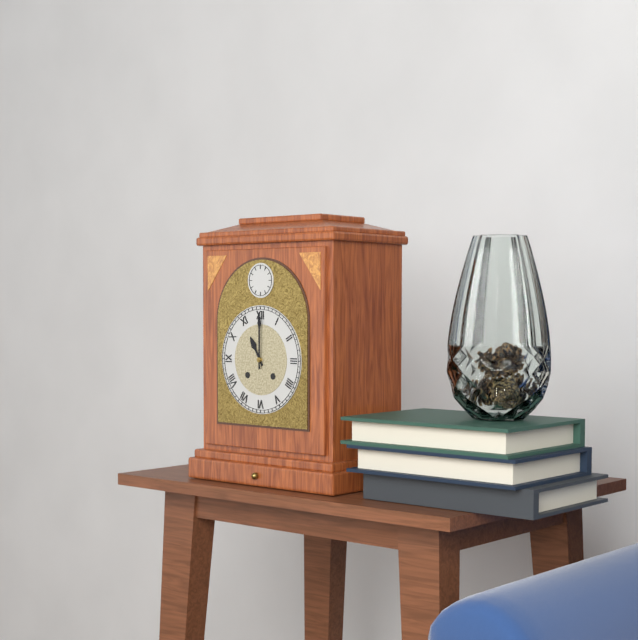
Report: **11:00**
